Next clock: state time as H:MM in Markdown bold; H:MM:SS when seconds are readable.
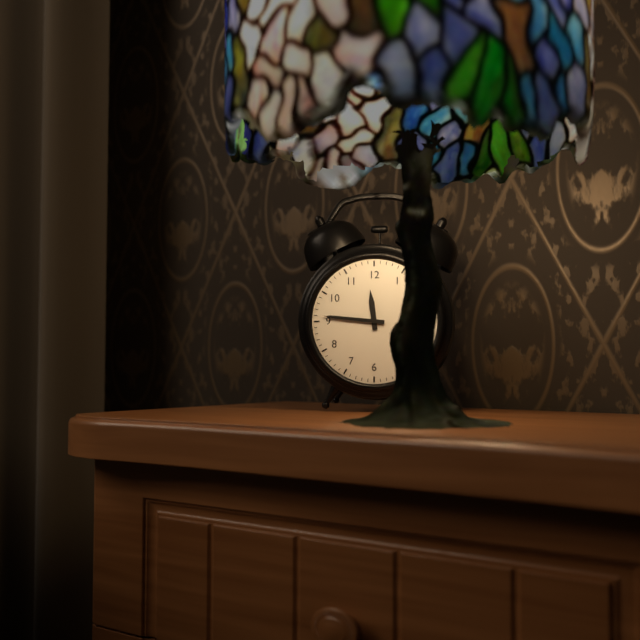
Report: **11:46**
